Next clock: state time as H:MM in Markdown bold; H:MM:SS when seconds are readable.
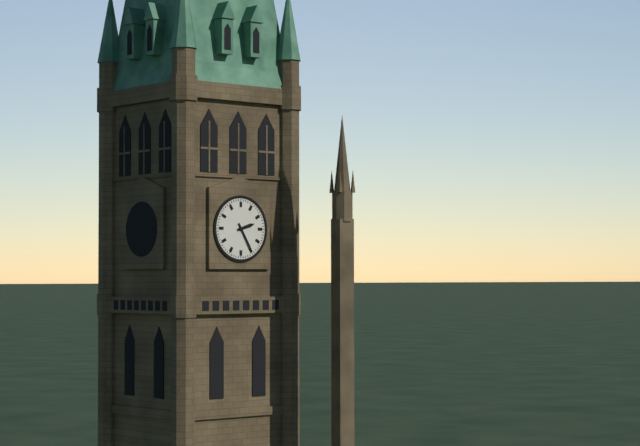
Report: **2:25**
